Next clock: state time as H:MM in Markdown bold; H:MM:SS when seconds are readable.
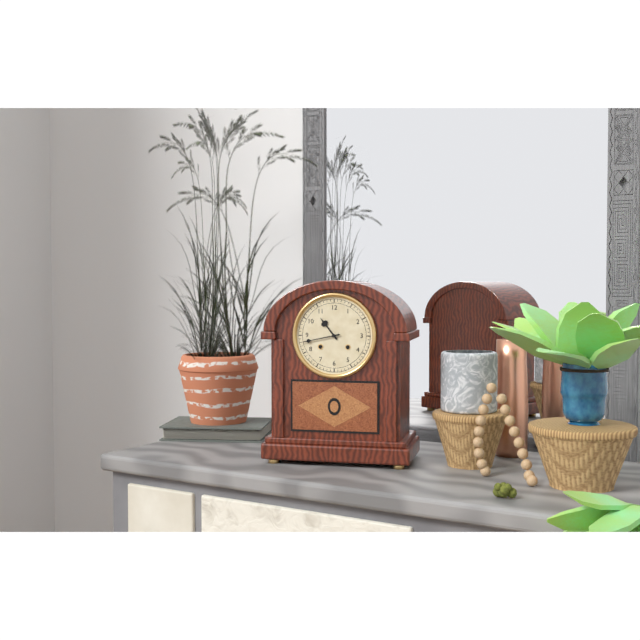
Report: **10:43**
